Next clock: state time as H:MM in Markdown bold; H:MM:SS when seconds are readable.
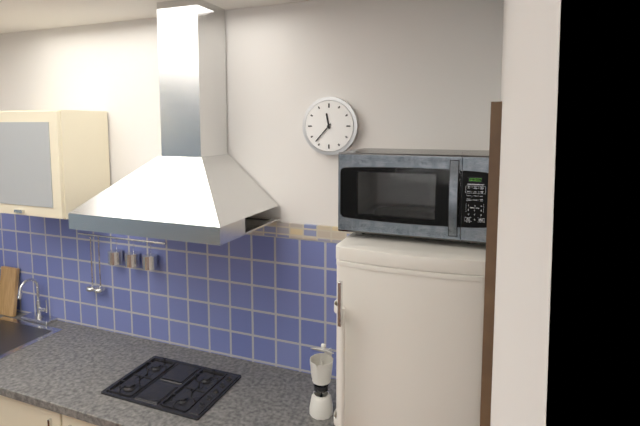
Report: **11:37**
